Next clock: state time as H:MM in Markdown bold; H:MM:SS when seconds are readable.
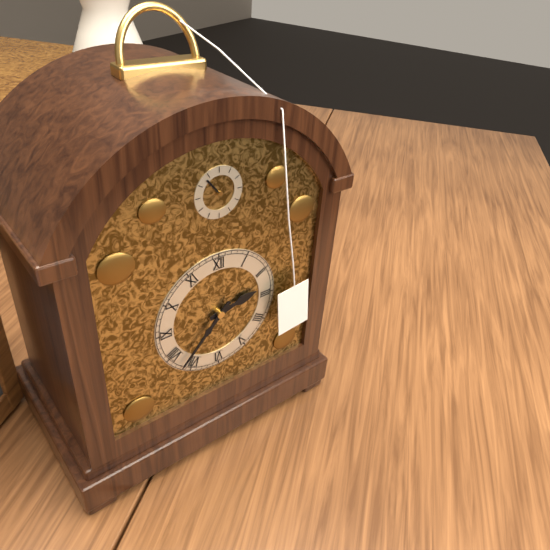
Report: **2:37**
